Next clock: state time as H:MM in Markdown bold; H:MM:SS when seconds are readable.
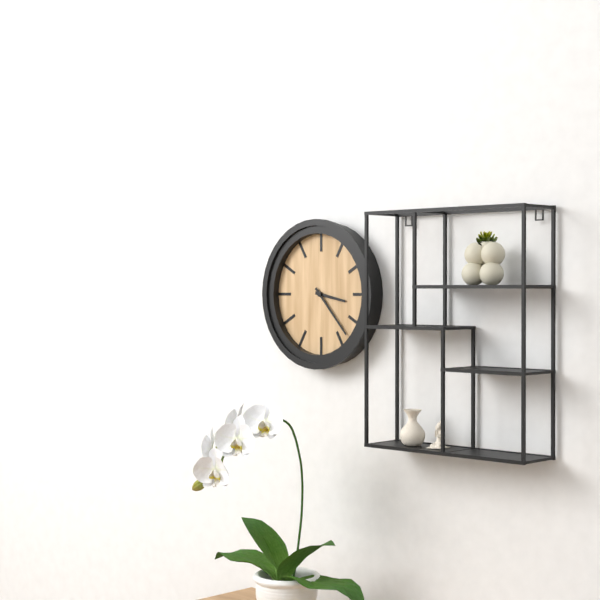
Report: **3:23**
